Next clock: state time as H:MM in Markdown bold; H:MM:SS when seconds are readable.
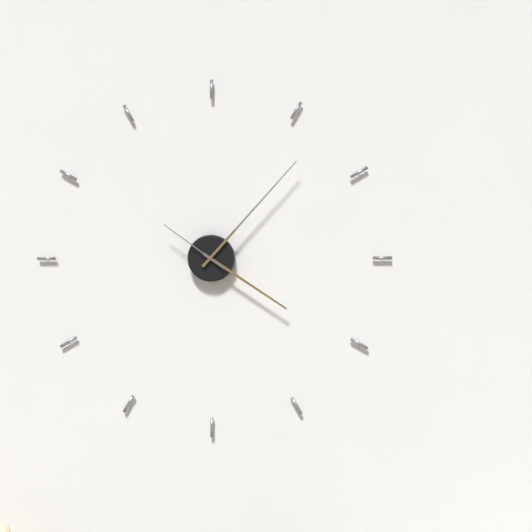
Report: **4:07:51**
